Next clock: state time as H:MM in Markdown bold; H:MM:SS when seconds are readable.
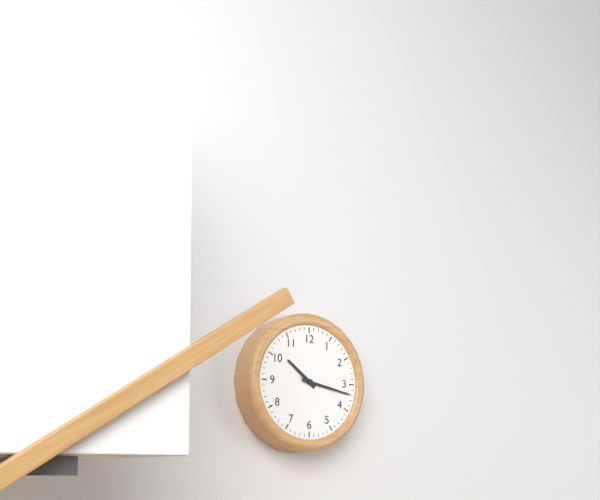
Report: **10:17**
